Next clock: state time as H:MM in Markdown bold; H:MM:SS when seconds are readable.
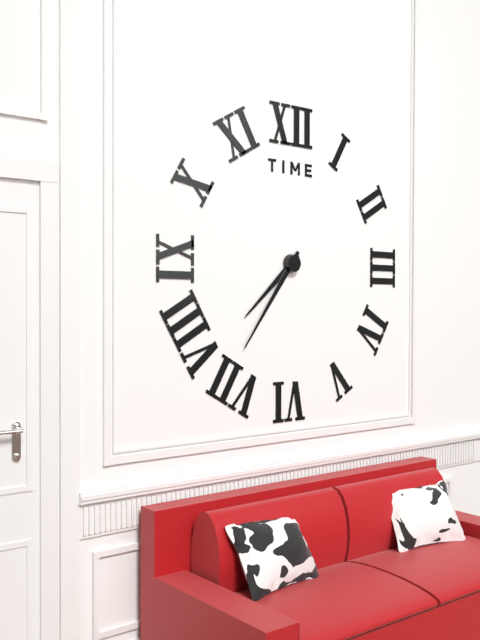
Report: **7:36**
